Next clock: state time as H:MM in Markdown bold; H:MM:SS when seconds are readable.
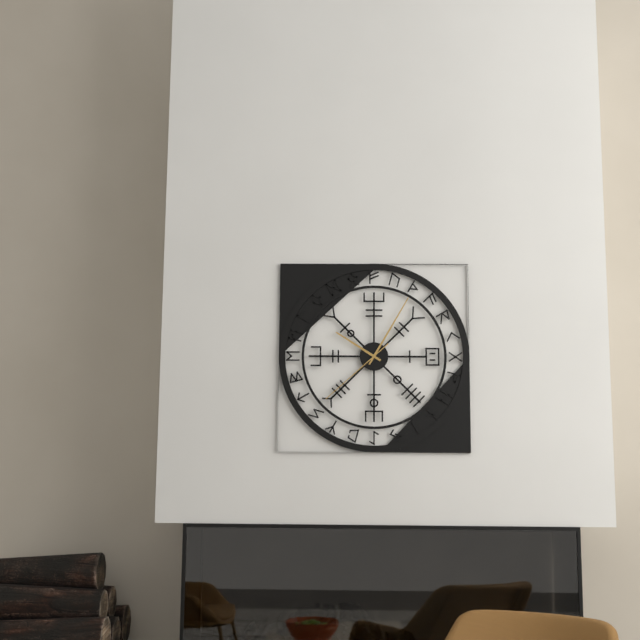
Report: **10:05:38**
